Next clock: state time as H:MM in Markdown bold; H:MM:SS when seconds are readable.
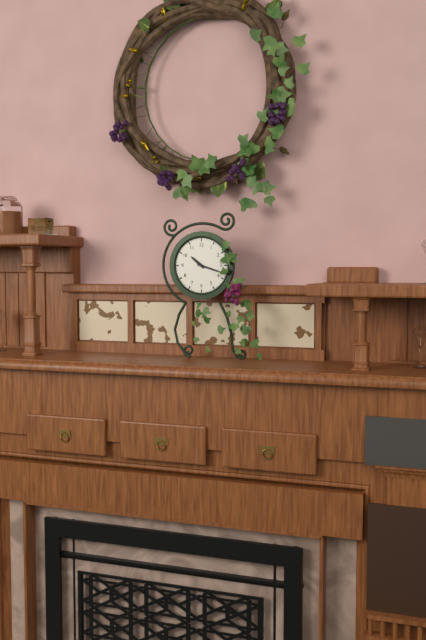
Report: **10:18**
